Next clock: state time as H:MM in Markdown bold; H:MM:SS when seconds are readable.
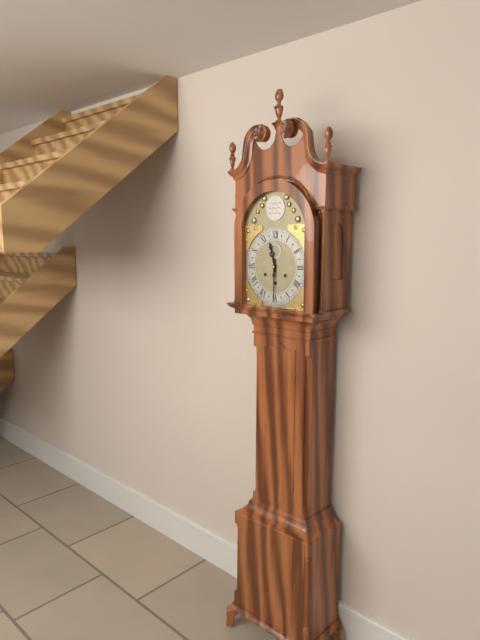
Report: **11:30**
